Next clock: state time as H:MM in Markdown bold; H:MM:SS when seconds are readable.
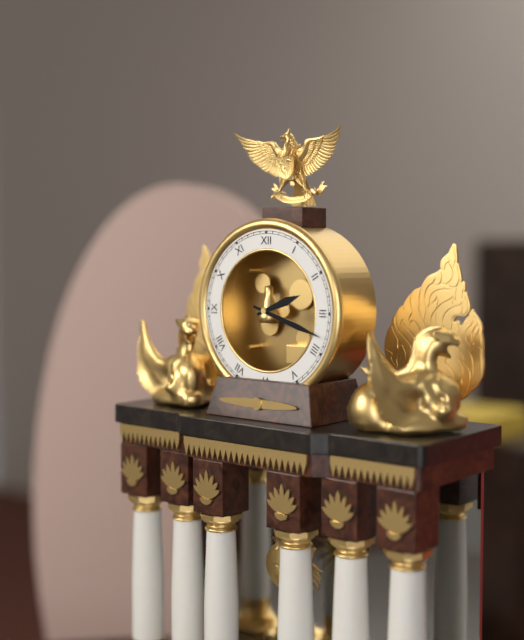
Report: **2:18**
